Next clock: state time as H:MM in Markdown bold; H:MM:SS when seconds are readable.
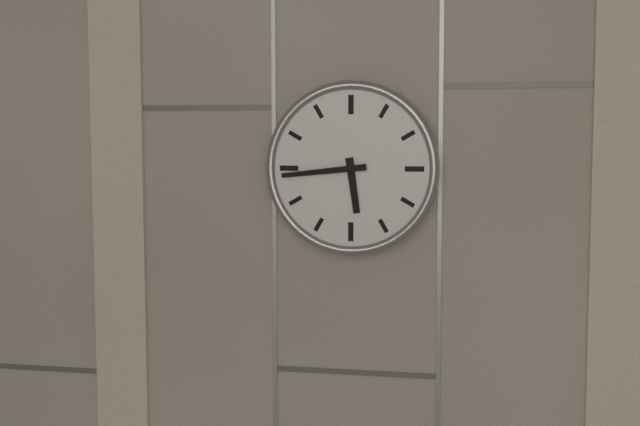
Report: **5:44**
